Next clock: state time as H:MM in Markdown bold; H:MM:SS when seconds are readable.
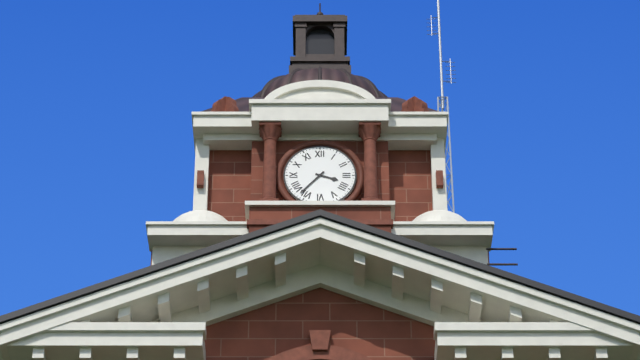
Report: **3:37**
